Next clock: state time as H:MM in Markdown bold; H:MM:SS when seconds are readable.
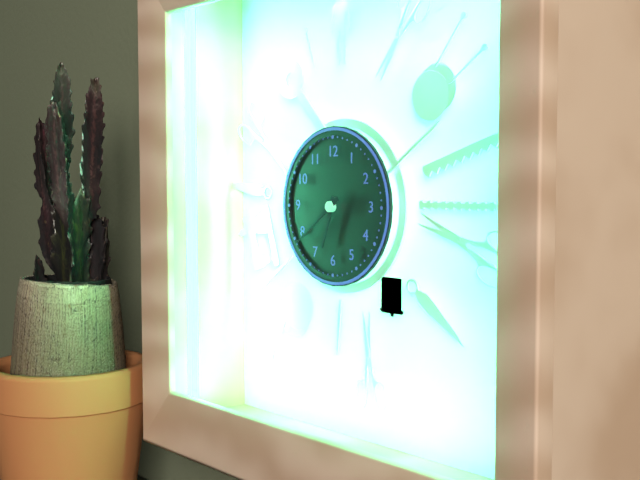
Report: **6:39**
